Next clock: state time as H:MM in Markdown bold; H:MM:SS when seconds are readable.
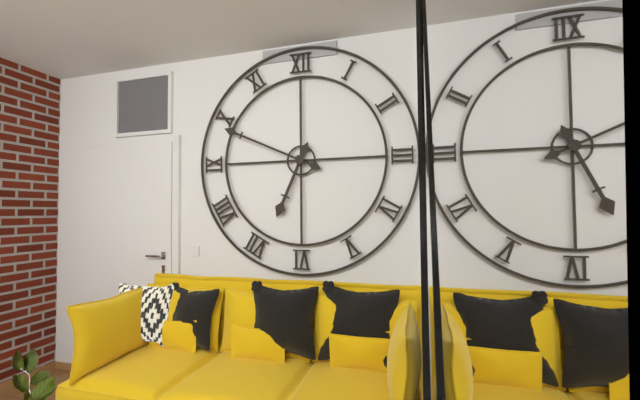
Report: **6:49**
